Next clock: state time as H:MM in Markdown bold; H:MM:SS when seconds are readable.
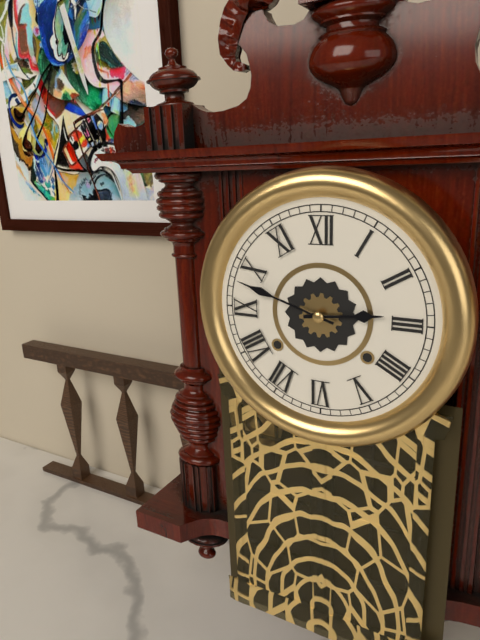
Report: **2:48**
